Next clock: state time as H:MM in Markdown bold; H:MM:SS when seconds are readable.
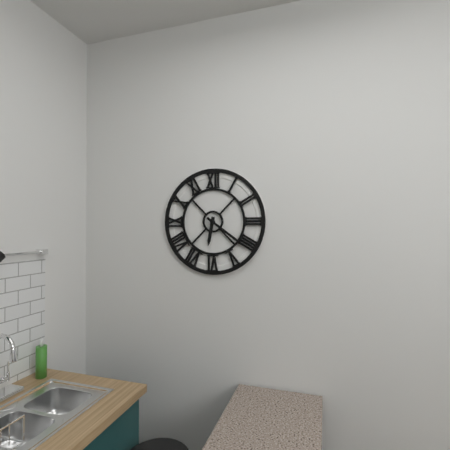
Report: **6:21**
